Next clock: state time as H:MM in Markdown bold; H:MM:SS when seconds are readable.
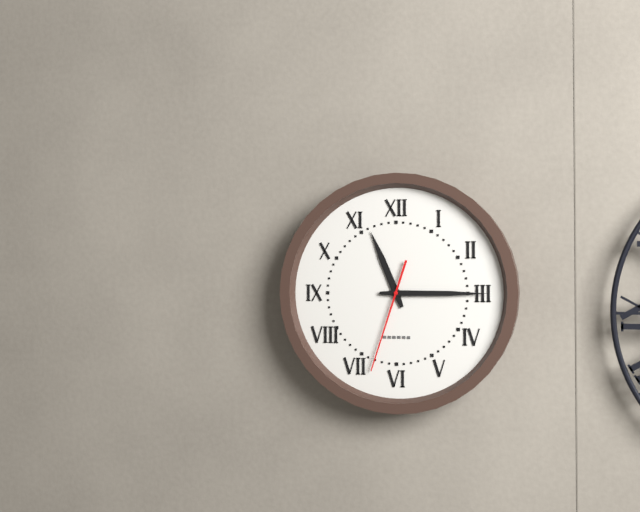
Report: **11:15:33**
